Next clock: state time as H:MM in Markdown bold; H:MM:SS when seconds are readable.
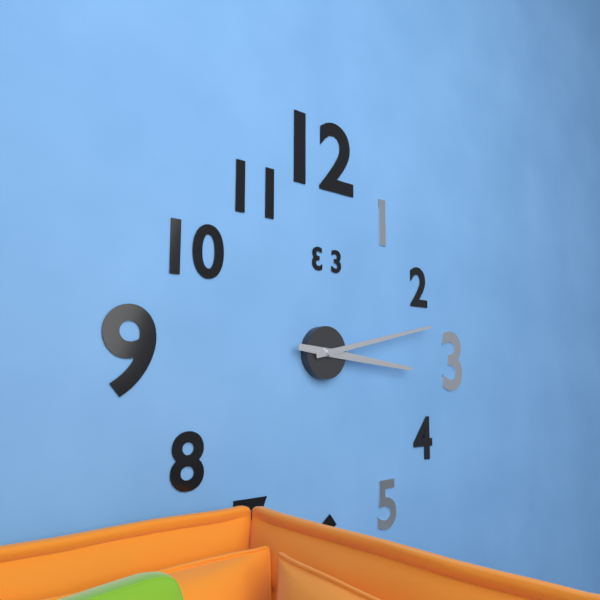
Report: **3:13**
